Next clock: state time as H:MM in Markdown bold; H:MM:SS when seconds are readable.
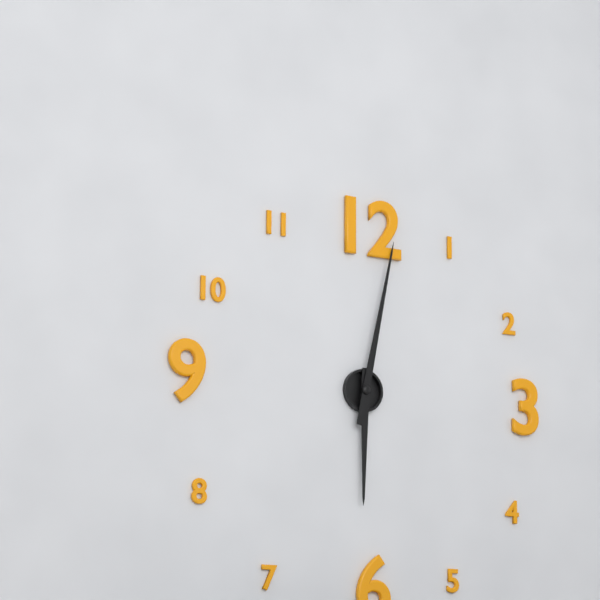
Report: **6:02**
